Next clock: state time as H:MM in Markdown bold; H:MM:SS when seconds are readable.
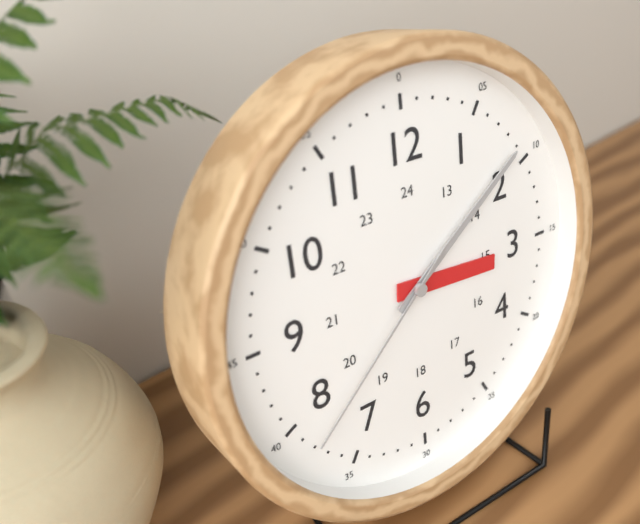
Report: **3:09:38**
